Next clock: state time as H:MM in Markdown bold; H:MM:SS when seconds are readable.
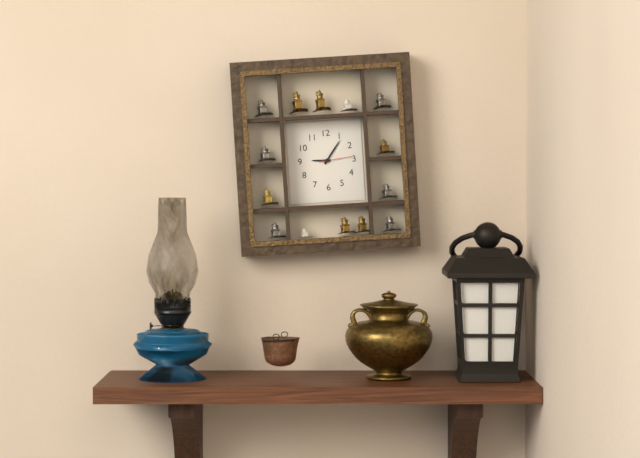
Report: **9:06**
